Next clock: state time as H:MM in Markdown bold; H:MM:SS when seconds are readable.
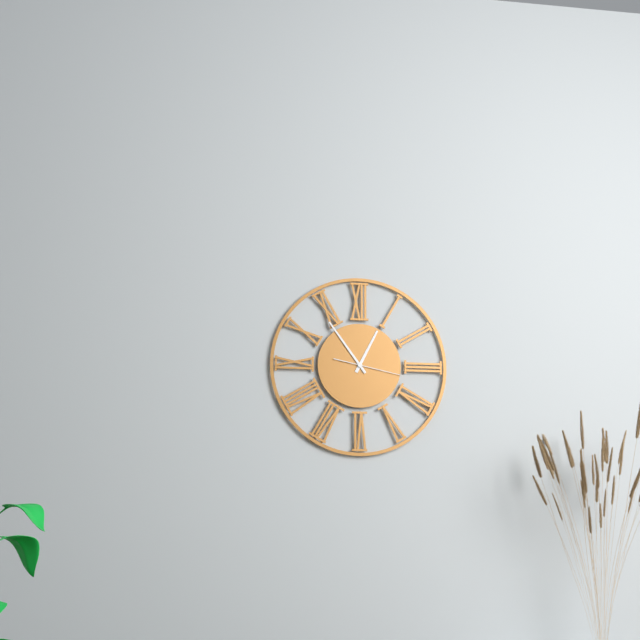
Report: **12:54:17**
